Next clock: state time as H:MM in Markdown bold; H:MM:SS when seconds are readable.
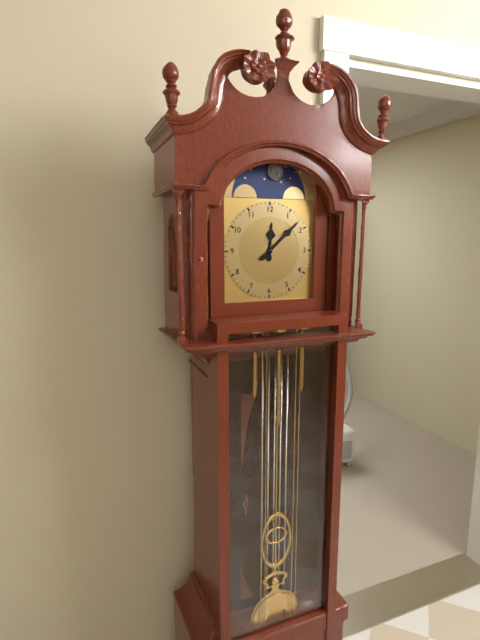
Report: **12:08**
